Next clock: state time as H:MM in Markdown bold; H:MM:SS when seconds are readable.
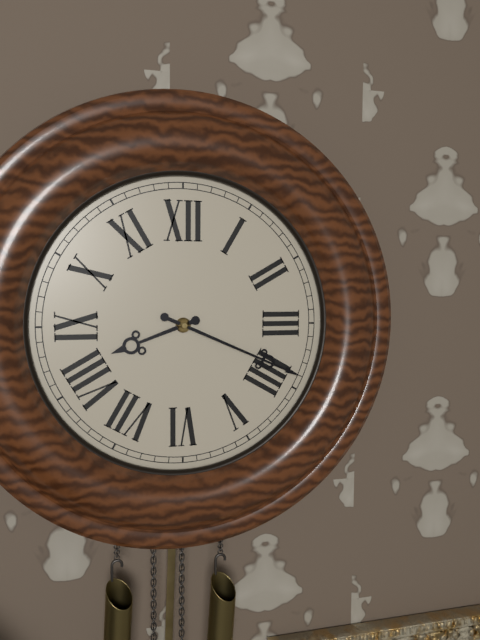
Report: **8:19**
